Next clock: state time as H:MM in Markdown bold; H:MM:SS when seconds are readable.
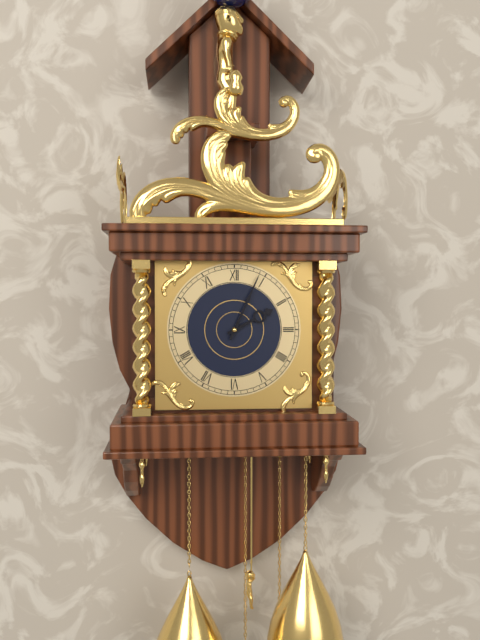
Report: **2:04**
